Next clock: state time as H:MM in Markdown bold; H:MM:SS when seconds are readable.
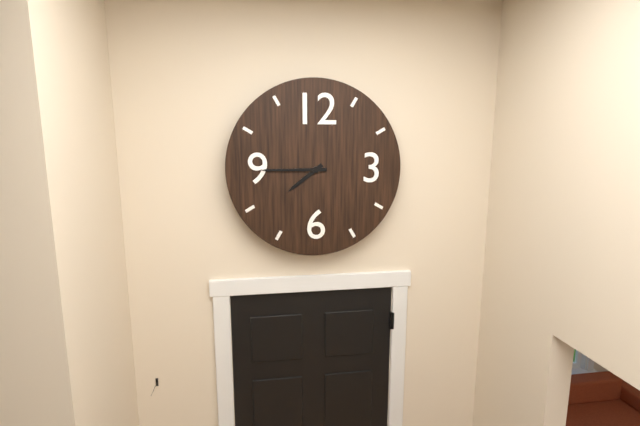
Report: **7:45**
